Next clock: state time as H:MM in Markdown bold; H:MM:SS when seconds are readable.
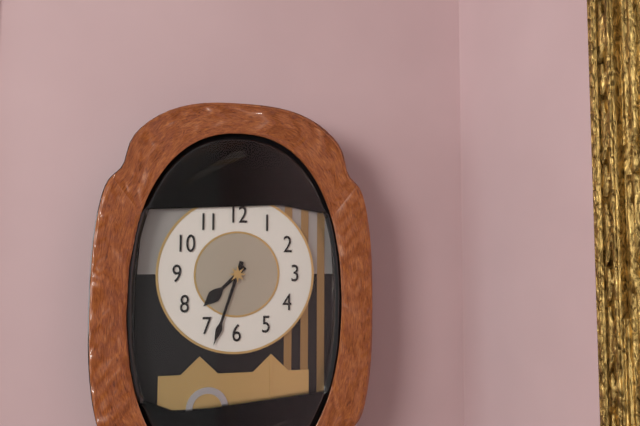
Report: **7:33**
